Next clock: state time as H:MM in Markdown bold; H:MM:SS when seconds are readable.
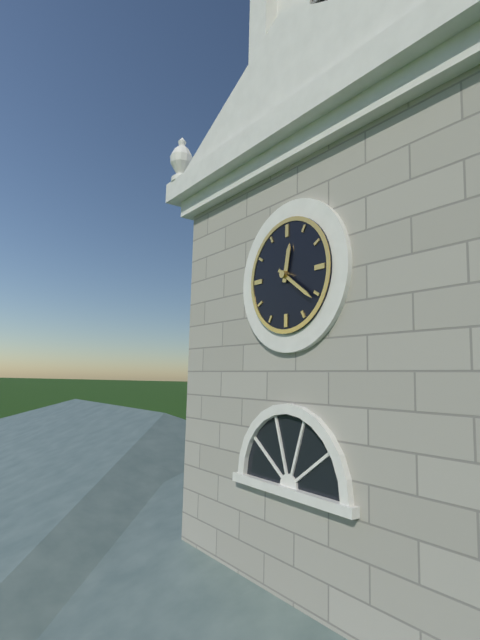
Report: **12:21**
